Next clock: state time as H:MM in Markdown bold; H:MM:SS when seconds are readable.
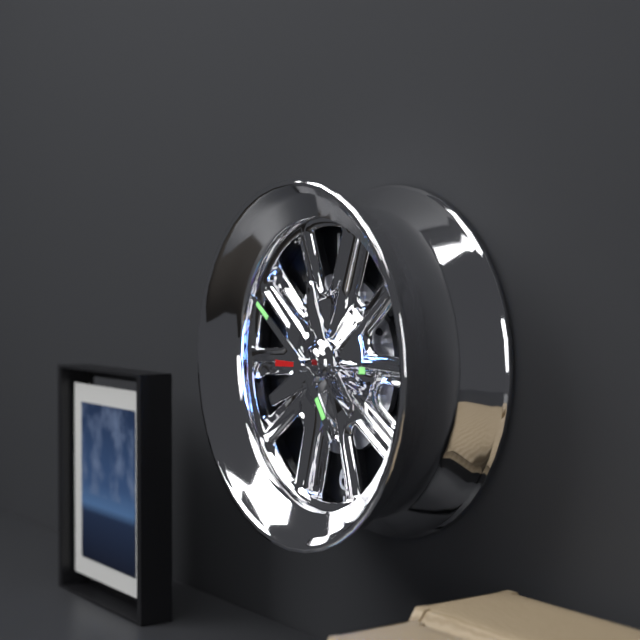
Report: **4:51:15**
